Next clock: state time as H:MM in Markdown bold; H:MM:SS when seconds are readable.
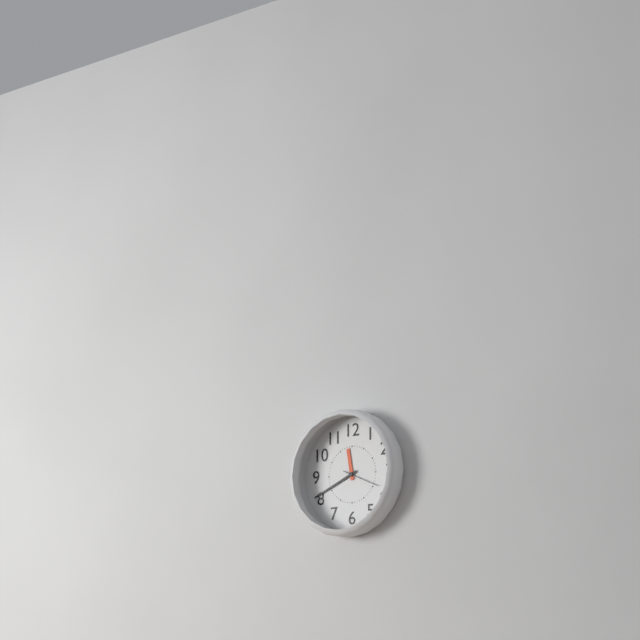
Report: **11:41**
